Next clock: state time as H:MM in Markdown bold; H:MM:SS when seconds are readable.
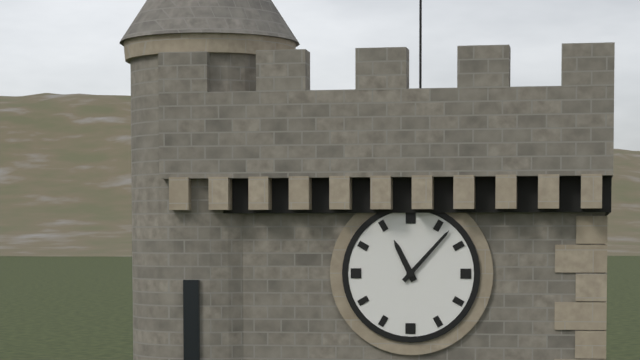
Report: **11:07**
